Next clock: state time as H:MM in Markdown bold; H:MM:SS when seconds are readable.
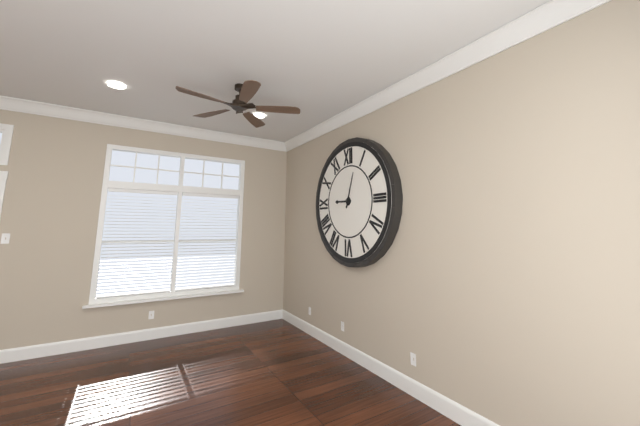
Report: **9:03**
